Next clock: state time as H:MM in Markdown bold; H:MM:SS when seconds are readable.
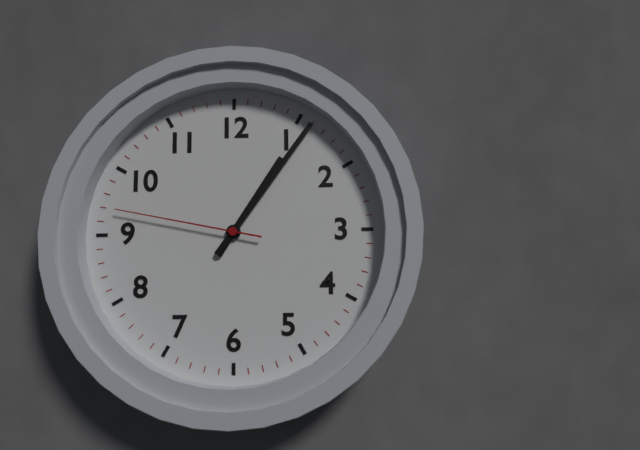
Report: **1:06:47**
